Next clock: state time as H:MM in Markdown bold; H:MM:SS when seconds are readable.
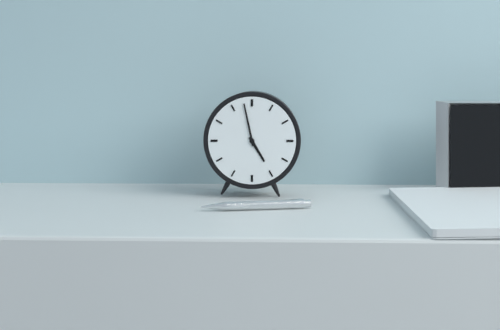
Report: **4:58**
